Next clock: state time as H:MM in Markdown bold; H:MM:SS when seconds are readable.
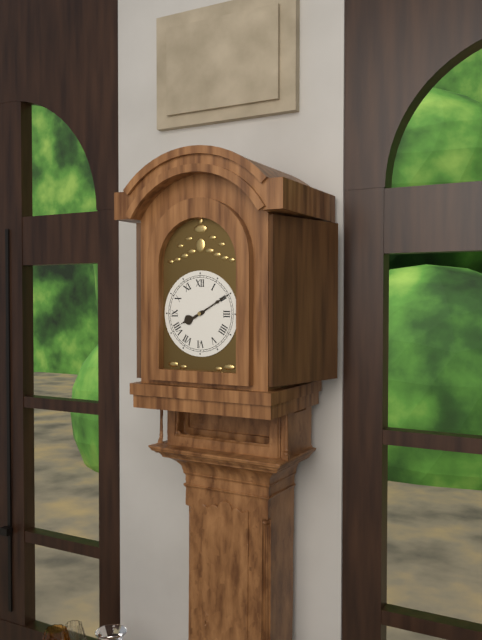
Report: **8:10**
